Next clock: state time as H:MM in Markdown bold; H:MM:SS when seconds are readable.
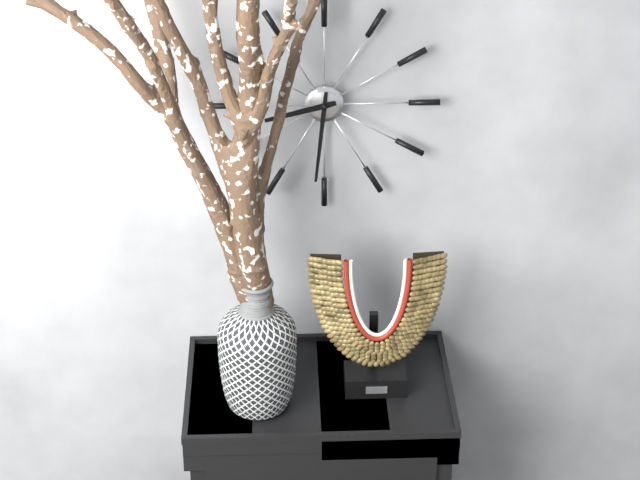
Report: **8:31**
